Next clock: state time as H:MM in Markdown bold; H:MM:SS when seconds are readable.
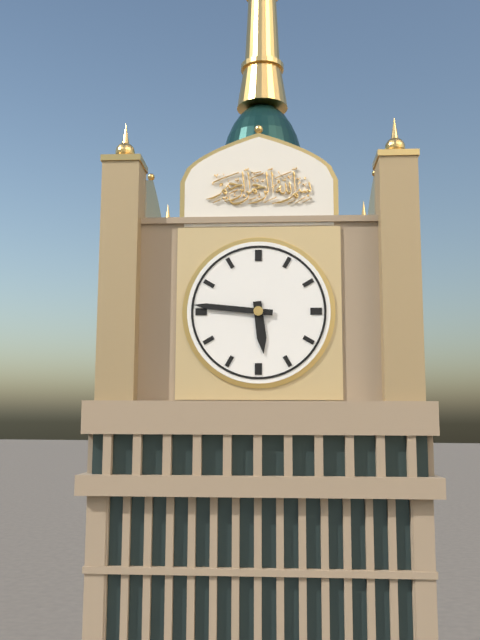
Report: **5:46**
